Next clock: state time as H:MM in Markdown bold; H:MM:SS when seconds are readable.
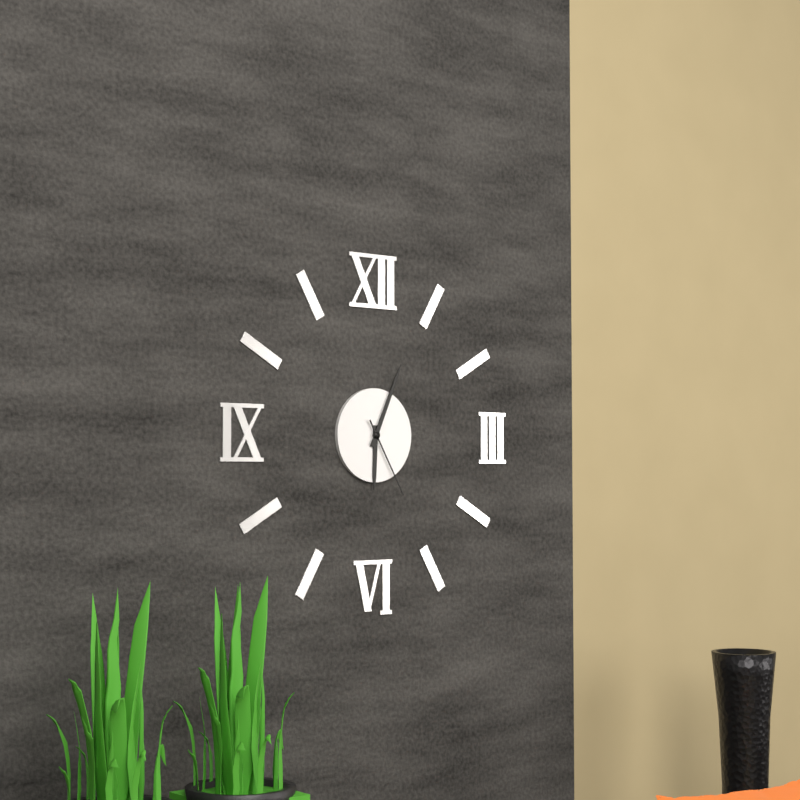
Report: **6:04:25**
